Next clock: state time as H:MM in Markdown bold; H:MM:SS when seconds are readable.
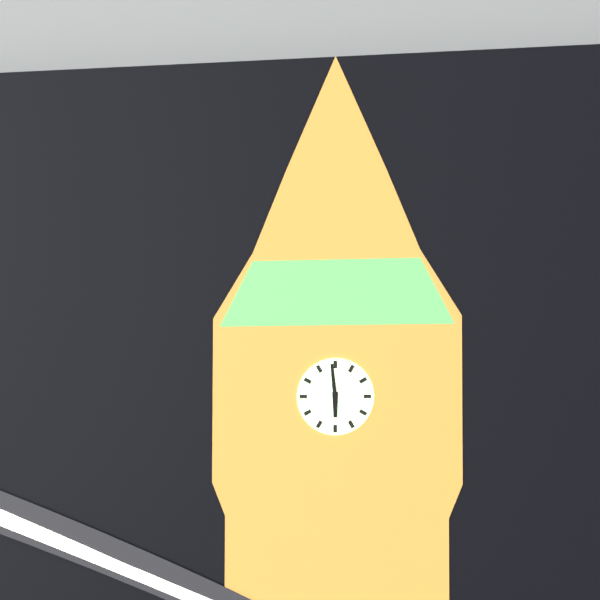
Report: **5:59**
